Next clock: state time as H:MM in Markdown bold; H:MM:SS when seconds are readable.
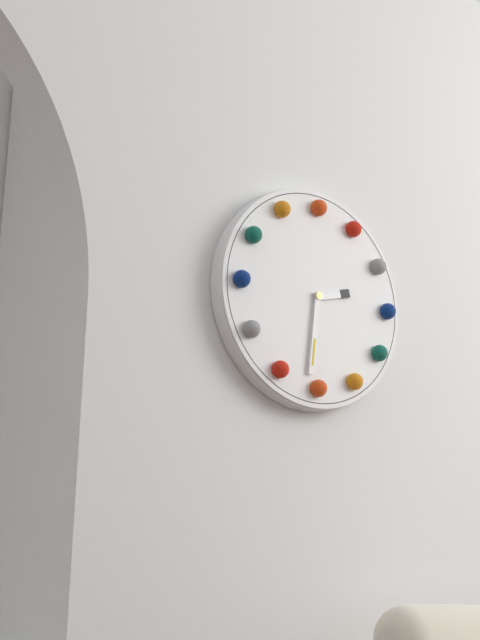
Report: **2:31**
